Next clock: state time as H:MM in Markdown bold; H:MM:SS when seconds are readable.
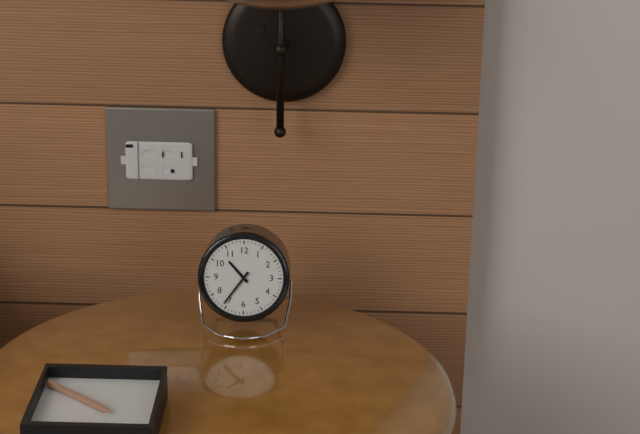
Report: **10:36**
